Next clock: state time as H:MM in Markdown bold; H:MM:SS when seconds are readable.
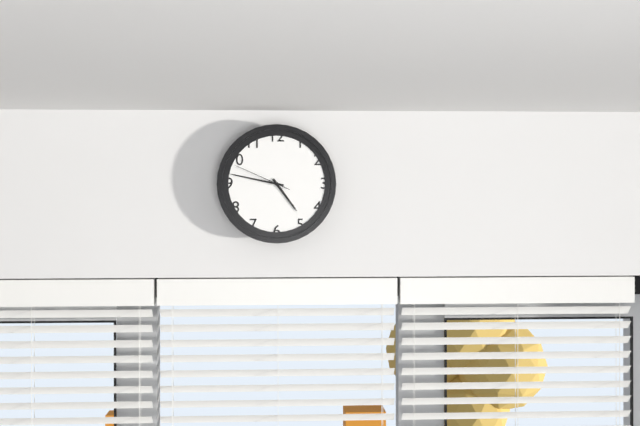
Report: **4:47:49**
